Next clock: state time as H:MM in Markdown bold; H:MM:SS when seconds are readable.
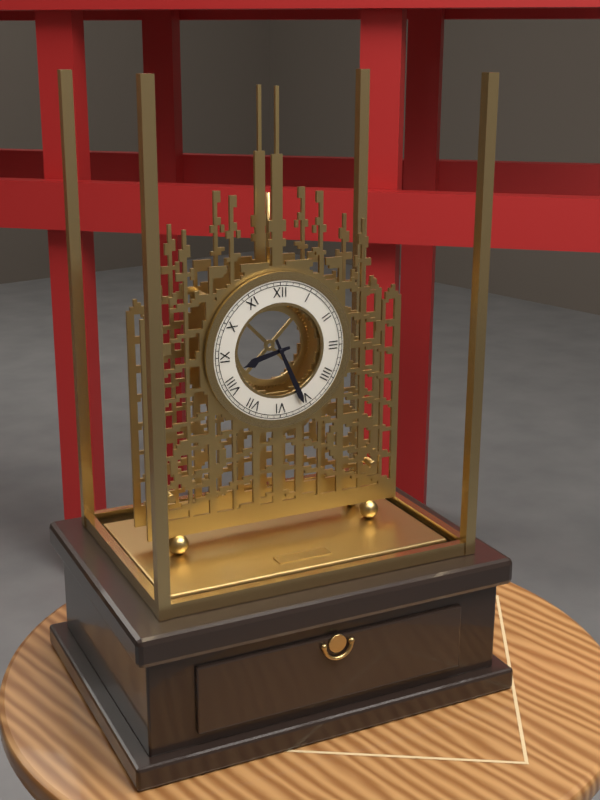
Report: **8:26**
